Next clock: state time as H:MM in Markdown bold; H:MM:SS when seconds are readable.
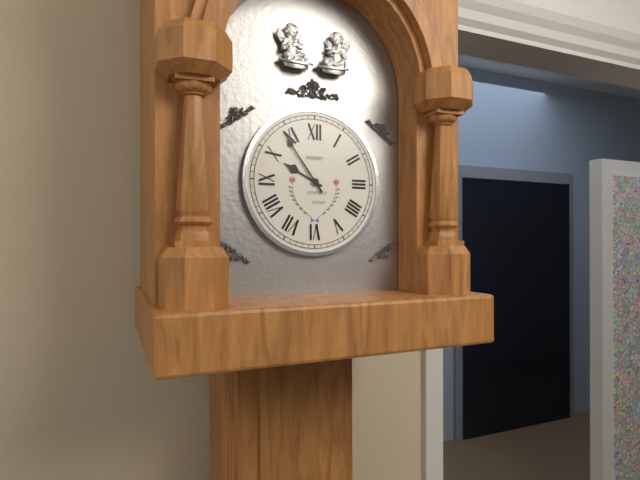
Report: **9:54**
